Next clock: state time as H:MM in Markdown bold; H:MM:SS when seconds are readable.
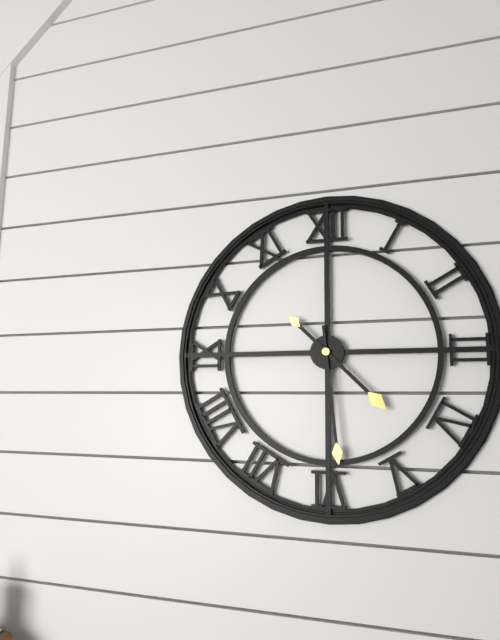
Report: **4:29**
